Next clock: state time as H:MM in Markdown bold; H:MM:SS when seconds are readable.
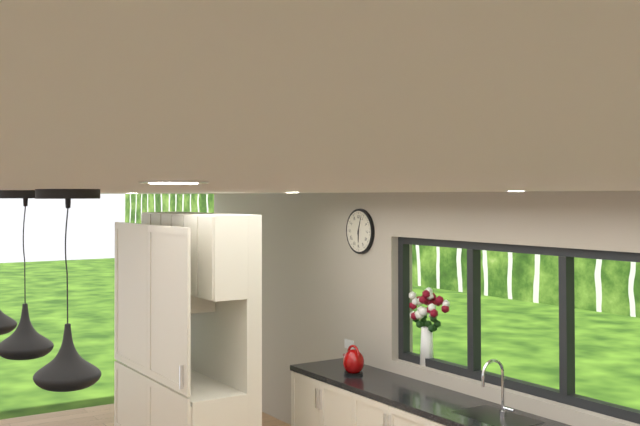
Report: **6:03**
